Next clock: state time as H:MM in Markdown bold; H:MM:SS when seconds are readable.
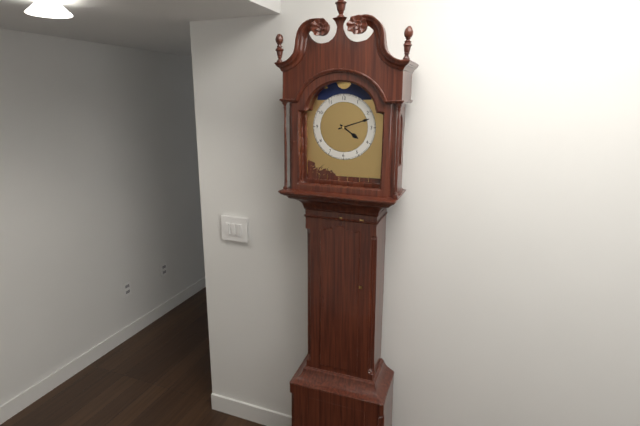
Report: **4:12**
